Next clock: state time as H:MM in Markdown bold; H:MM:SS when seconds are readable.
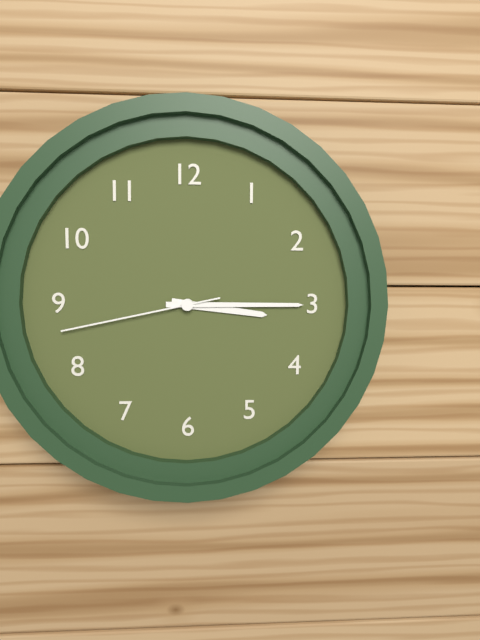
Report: **3:15:43**
